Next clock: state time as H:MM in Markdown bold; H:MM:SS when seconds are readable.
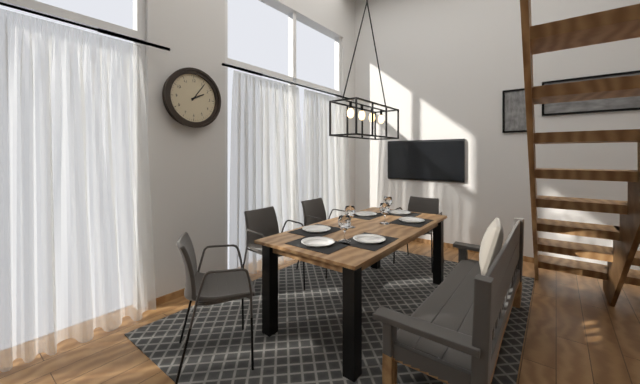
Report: **2:06**
